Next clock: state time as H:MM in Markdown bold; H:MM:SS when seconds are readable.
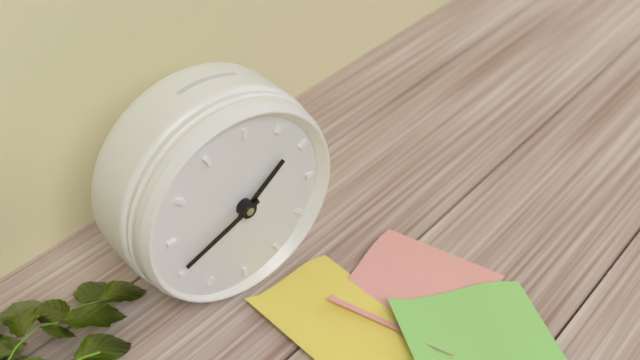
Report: **1:41**
